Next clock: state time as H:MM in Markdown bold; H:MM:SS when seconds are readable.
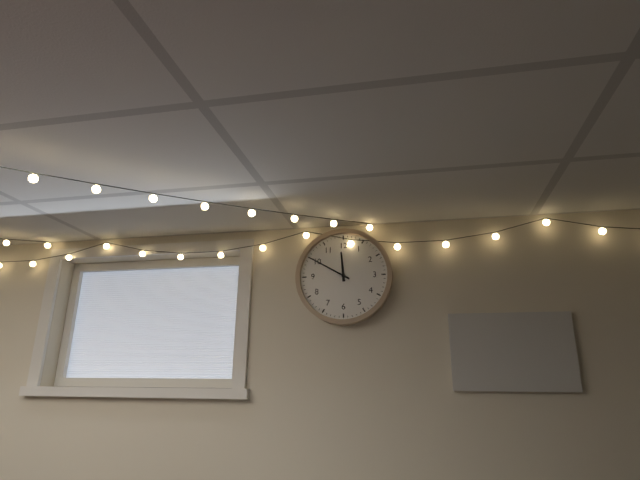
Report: **11:50**
